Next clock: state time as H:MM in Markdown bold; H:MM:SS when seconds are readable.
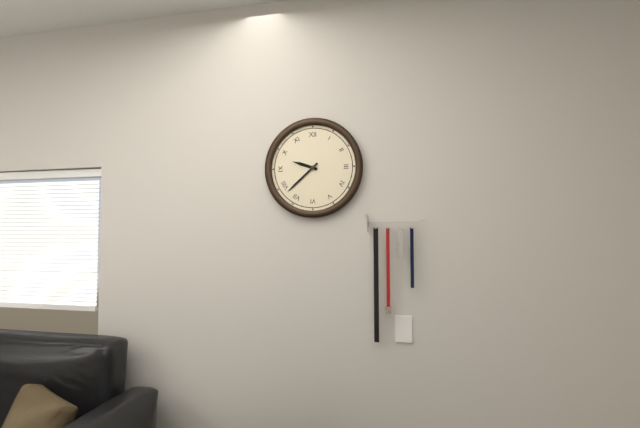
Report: **9:38**
